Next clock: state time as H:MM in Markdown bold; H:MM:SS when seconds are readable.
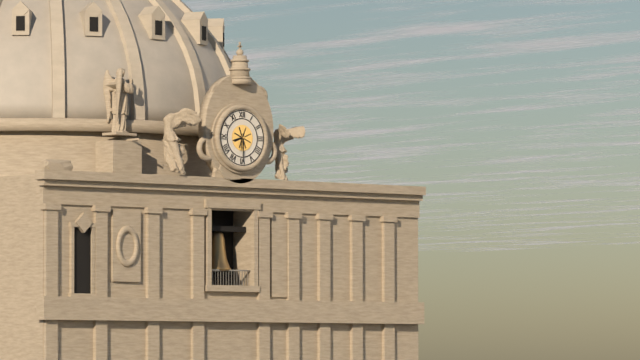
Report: **8:30**
